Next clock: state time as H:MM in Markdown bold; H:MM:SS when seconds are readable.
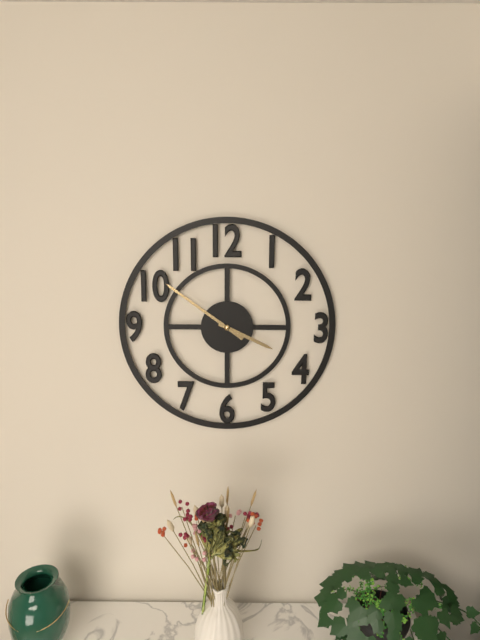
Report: **3:51**
